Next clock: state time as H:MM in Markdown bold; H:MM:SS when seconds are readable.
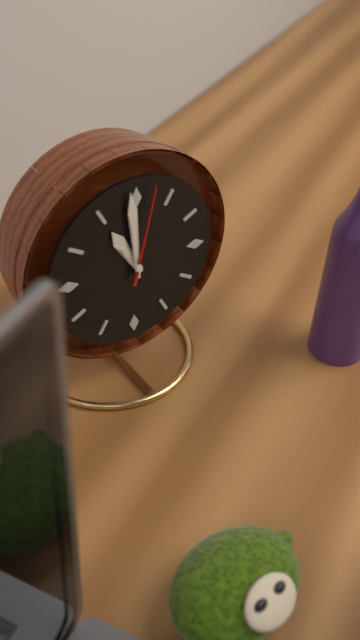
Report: **10:59:02**
